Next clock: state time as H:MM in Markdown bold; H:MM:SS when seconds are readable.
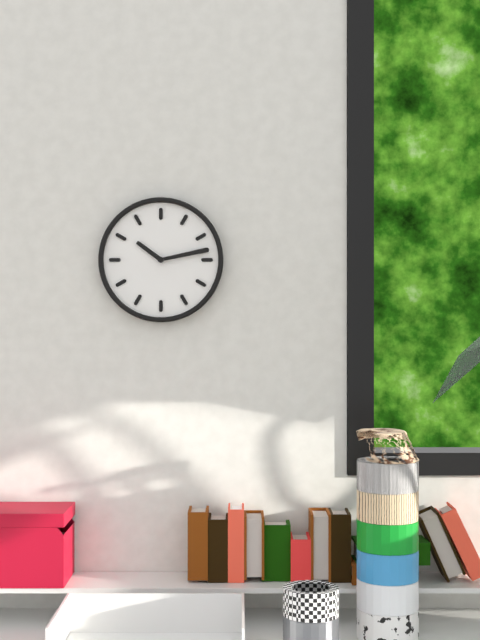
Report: **10:13**
